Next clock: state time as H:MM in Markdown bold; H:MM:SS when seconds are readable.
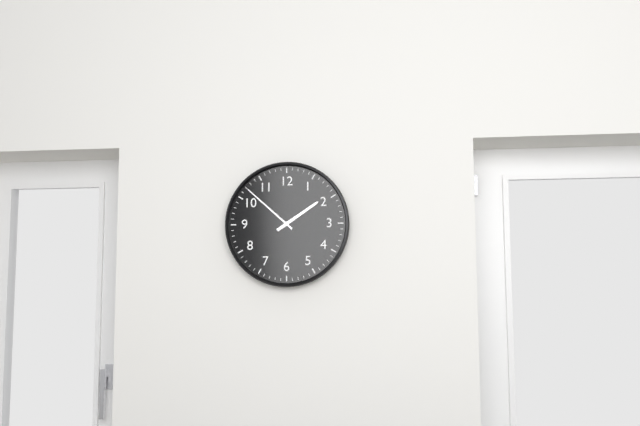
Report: **1:52**
